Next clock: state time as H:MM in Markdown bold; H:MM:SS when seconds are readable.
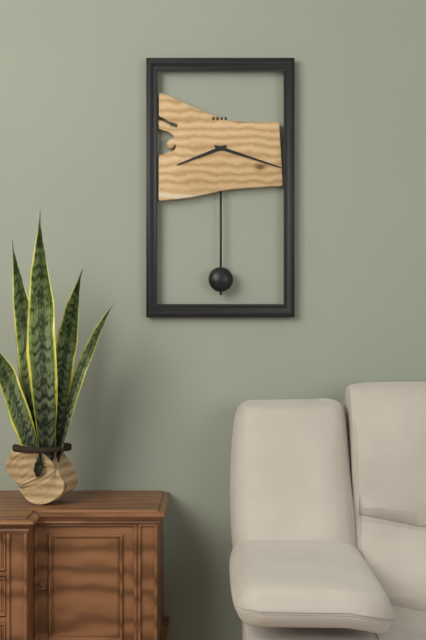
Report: **8:18**
